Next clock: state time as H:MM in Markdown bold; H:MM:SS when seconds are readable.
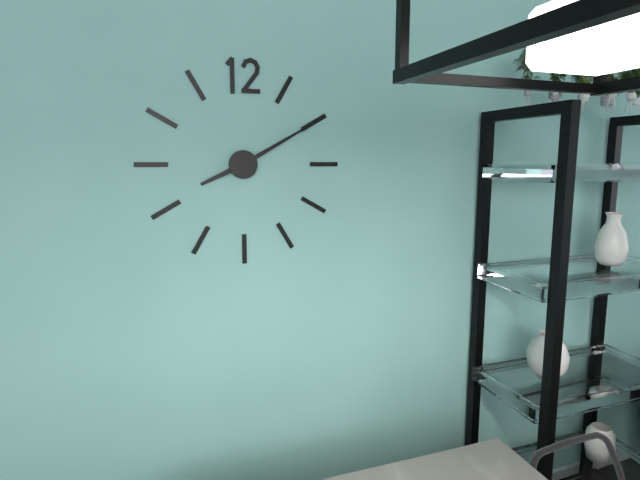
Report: **8:10**
